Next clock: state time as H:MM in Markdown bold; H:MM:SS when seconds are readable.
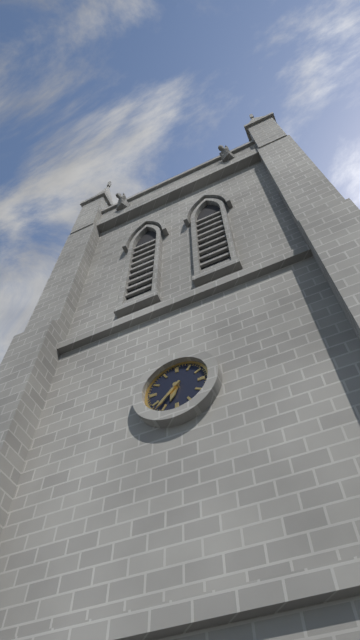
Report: **6:37**
